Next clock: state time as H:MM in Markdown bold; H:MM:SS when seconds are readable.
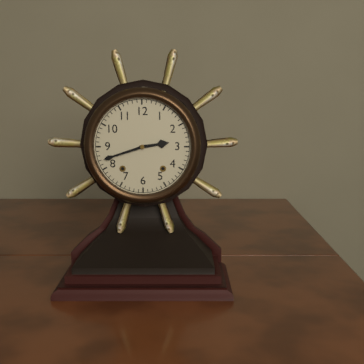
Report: **2:42**
